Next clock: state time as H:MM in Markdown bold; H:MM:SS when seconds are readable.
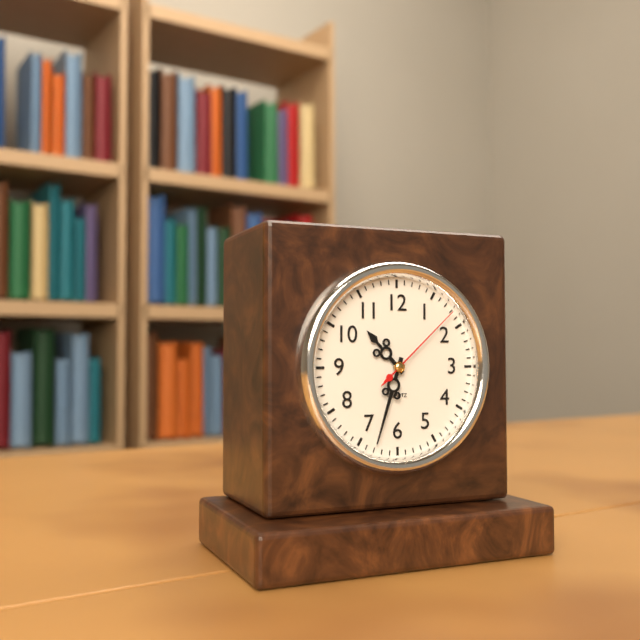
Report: **10:33:08**
